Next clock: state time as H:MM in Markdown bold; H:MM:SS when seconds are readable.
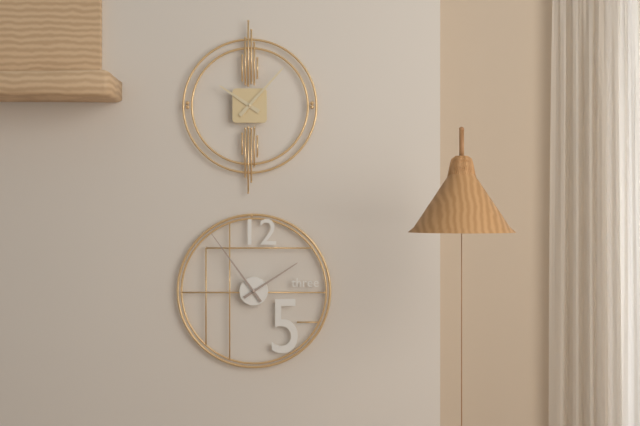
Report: **10:07**
